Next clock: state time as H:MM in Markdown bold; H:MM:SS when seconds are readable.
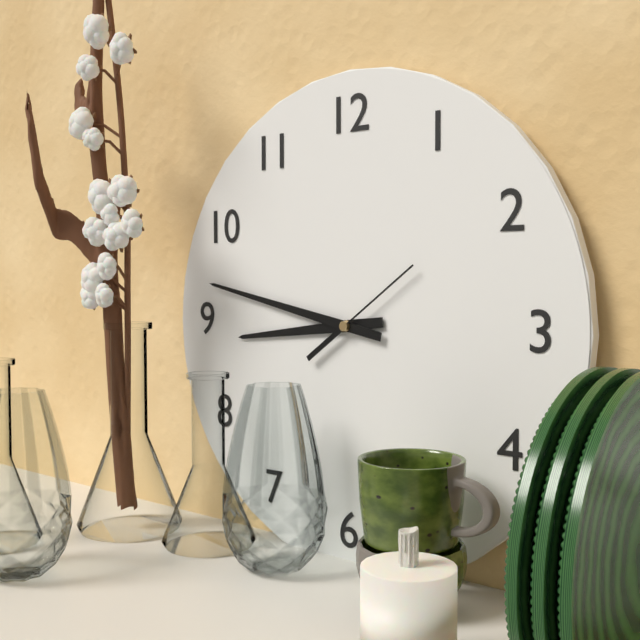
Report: **8:47:09**
